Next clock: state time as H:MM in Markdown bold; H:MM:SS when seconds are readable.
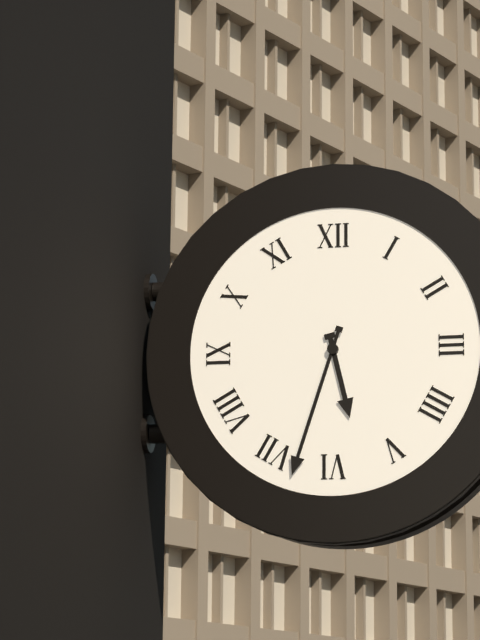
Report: **5:33**
